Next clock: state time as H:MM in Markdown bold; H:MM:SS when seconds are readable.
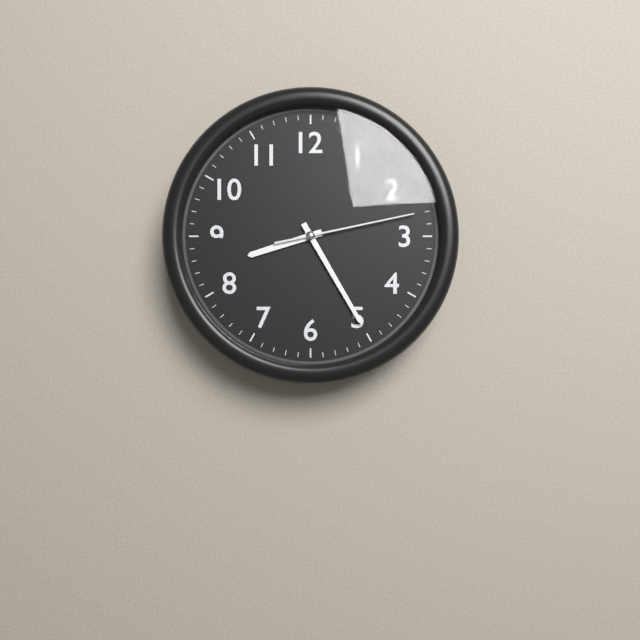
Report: **8:25:13**
